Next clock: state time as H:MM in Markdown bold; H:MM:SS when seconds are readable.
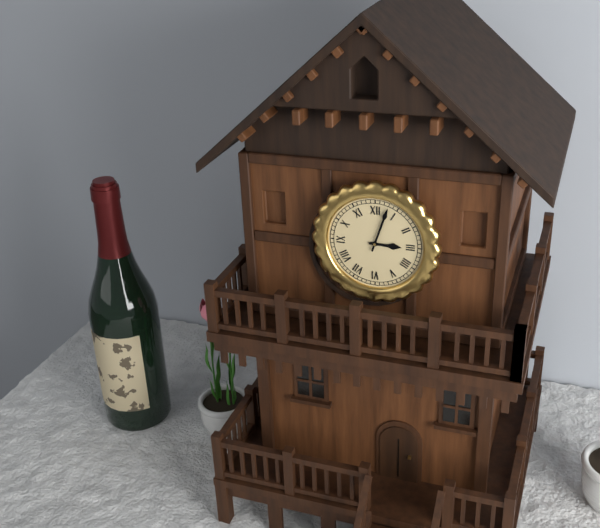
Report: **3:03**
